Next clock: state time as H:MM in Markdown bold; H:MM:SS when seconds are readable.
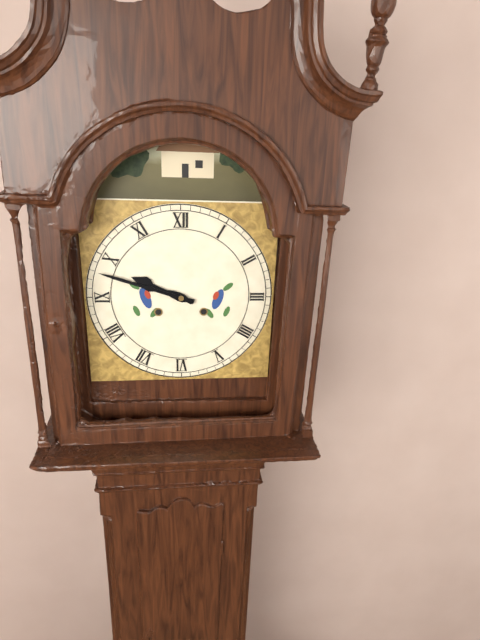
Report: **9:48**
